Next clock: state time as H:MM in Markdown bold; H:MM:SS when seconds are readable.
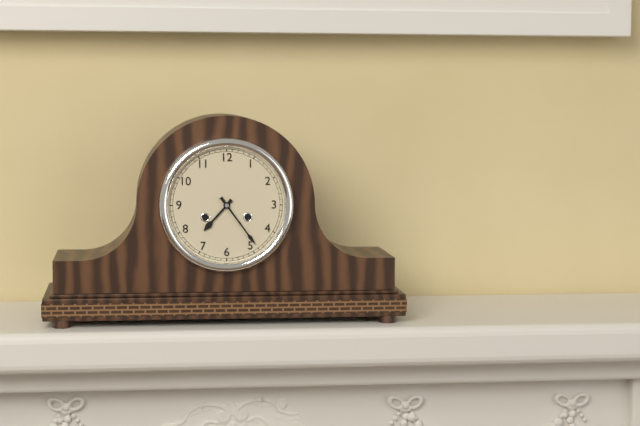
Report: **7:24**
